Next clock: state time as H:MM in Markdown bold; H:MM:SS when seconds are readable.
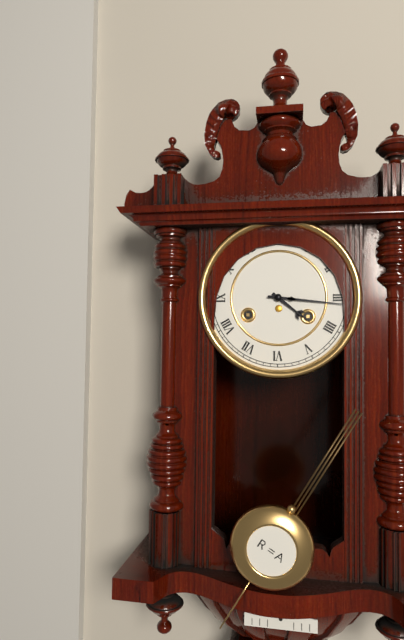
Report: **4:16**
